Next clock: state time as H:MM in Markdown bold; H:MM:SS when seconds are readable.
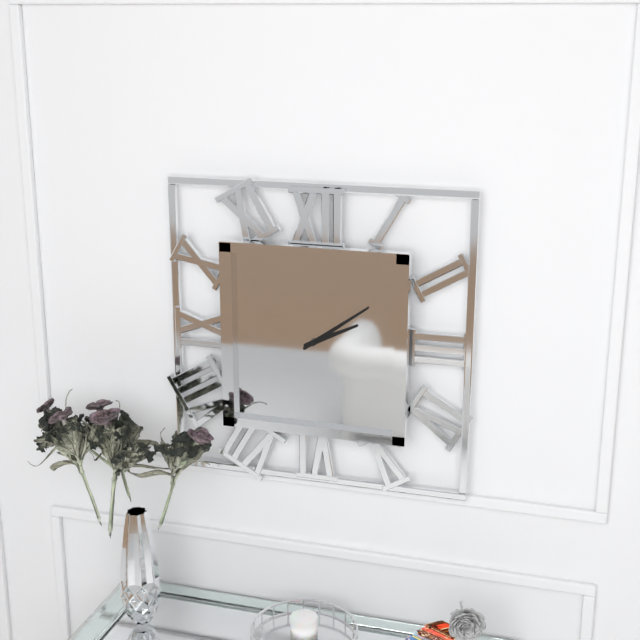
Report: **2:09**
